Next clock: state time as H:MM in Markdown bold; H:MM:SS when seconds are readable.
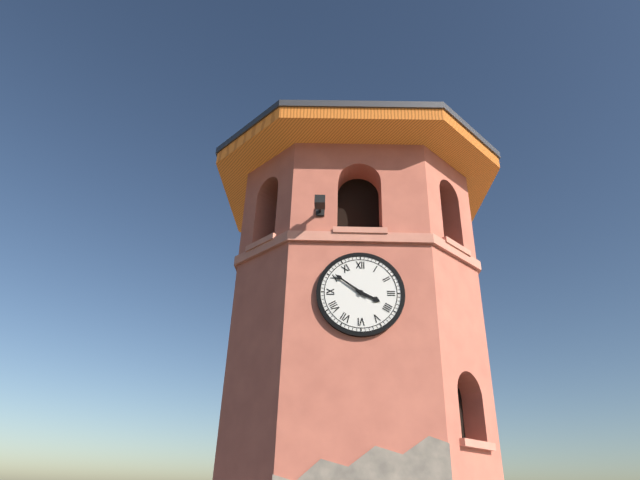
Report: **3:51**
